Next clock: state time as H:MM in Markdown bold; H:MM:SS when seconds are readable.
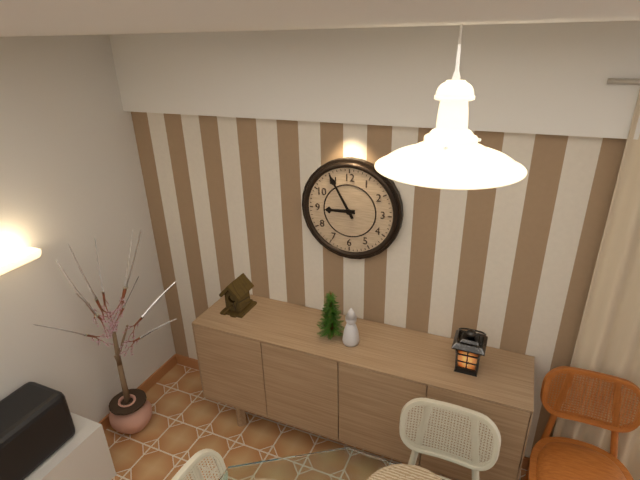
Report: **8:55**
